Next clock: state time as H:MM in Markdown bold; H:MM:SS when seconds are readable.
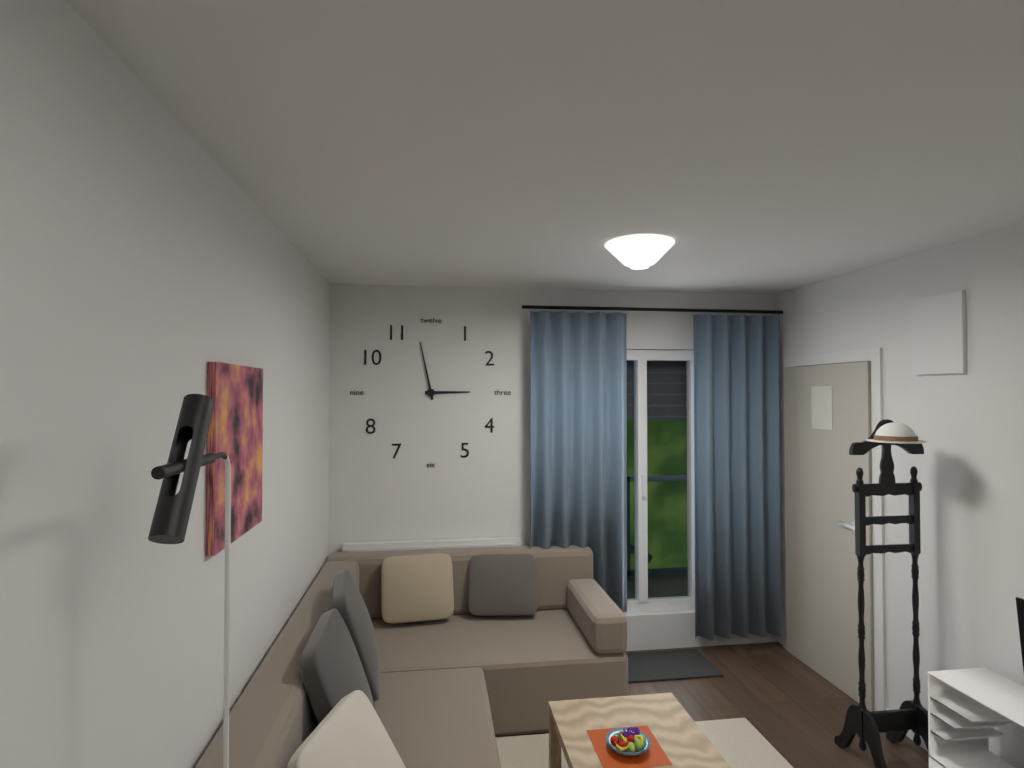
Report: **2:58**
